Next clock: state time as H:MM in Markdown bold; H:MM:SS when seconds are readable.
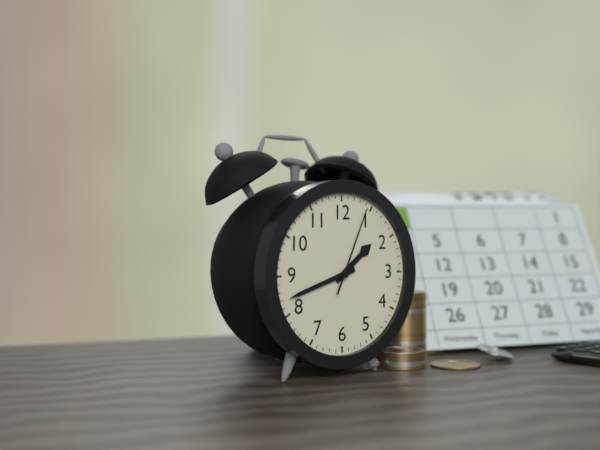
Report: **1:42:04**
